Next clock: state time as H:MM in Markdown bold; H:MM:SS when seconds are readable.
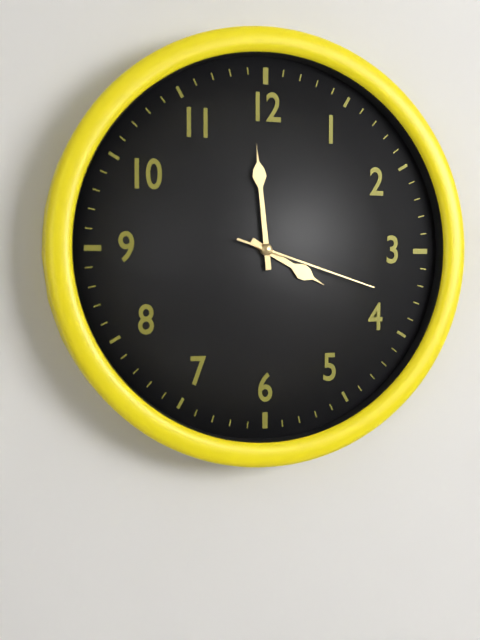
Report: **3:59:18**
